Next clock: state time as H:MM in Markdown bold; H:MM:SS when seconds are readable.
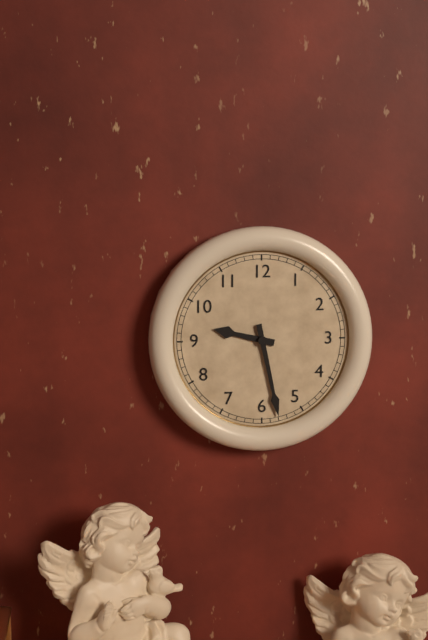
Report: **9:28**
